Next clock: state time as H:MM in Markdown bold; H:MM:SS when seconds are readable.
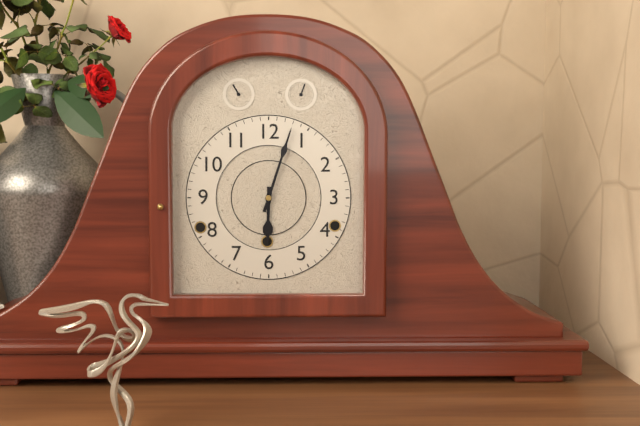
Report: **6:03**
